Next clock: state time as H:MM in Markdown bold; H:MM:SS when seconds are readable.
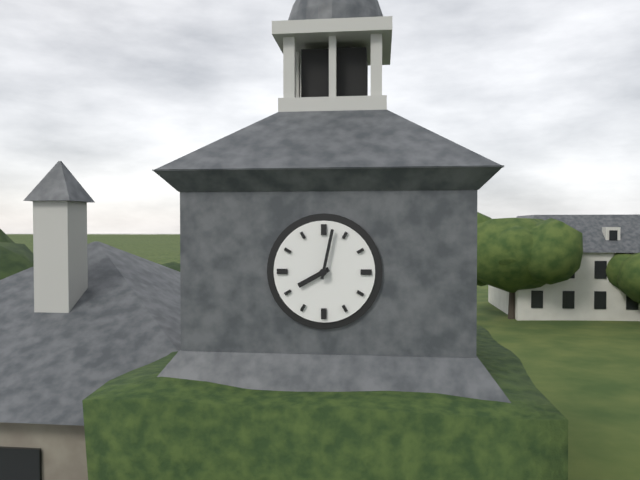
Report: **8:02**
